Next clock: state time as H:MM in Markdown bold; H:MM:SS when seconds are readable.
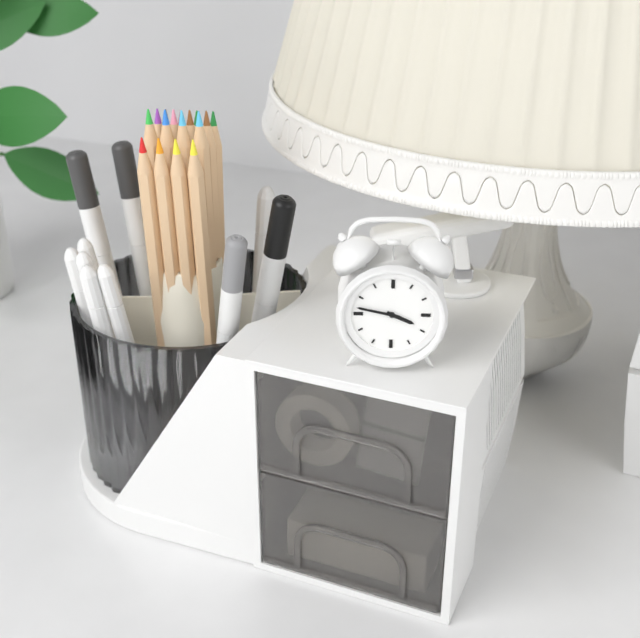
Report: **3:47**
